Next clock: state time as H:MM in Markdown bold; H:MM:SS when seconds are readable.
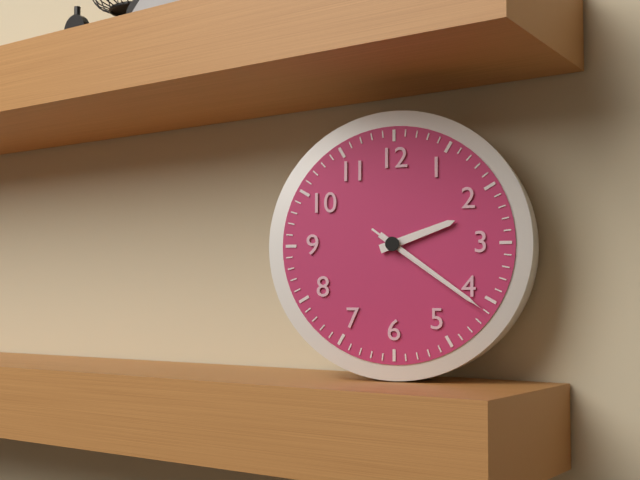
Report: **2:21:21**
